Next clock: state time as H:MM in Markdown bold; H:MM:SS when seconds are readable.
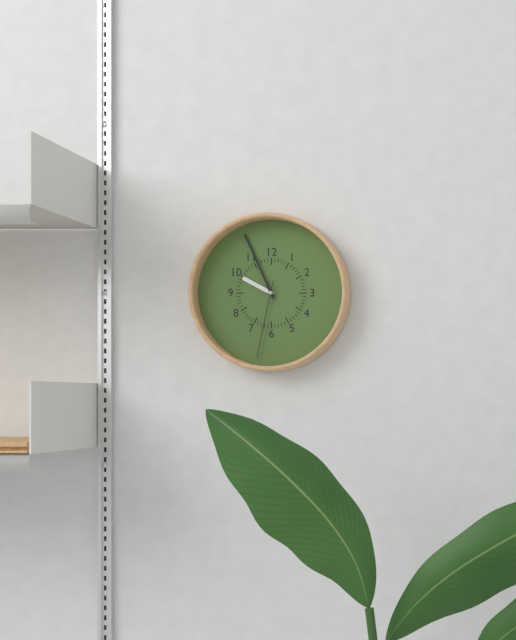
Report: **9:56:32**
